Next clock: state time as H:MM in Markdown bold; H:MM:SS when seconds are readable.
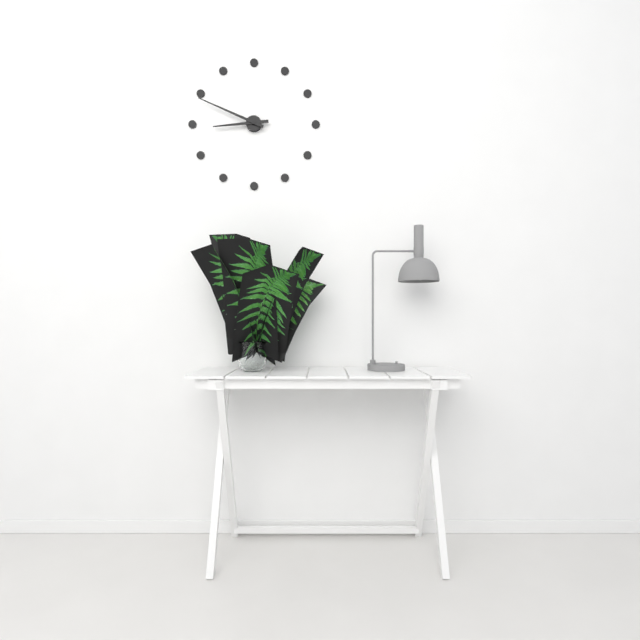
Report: **8:49**
